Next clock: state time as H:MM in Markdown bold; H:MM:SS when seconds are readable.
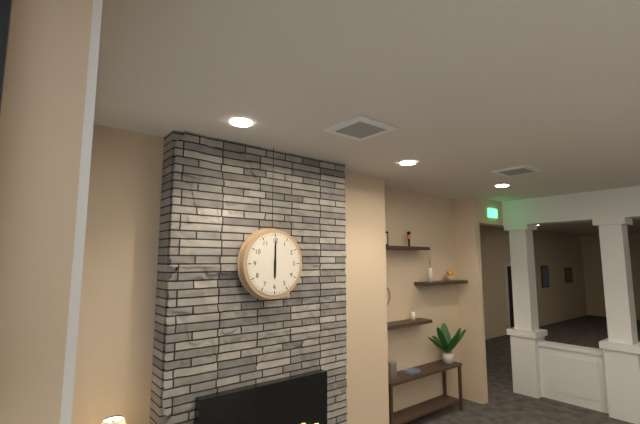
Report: **6:00**
